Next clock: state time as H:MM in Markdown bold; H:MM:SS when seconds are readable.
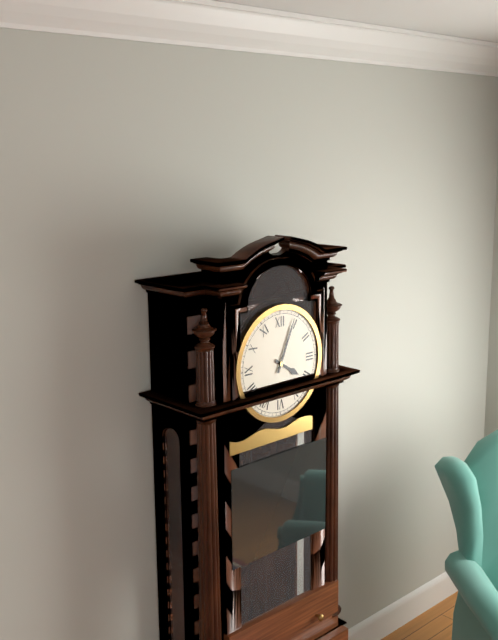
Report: **4:04**
